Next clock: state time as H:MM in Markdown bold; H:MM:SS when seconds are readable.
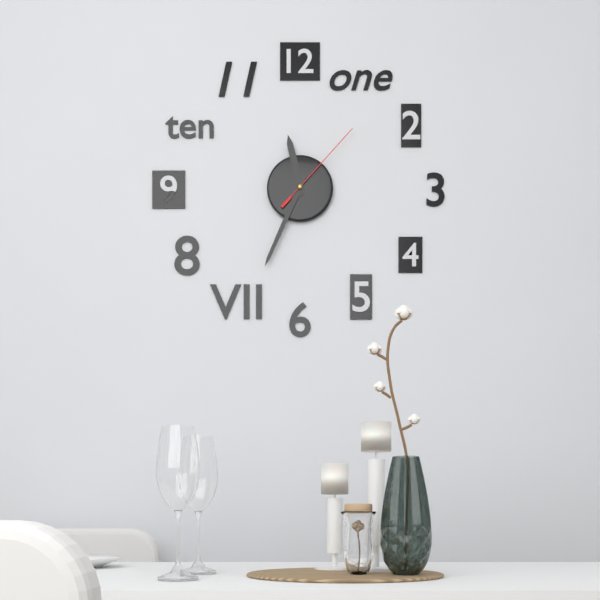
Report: **11:34:07**
